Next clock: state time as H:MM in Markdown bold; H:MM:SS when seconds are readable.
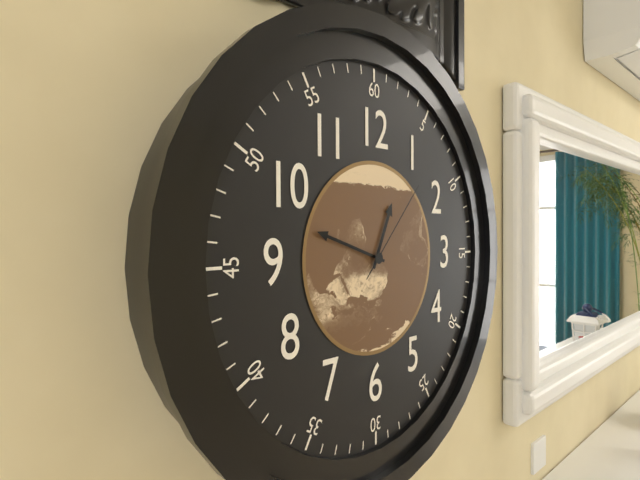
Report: **12:48:07**
